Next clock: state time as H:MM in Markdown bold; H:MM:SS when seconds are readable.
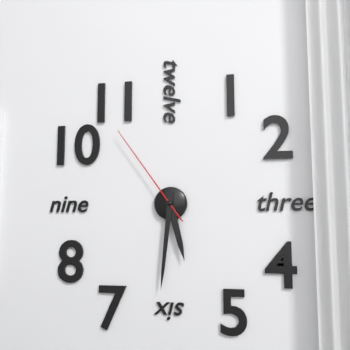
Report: **5:31:54**
